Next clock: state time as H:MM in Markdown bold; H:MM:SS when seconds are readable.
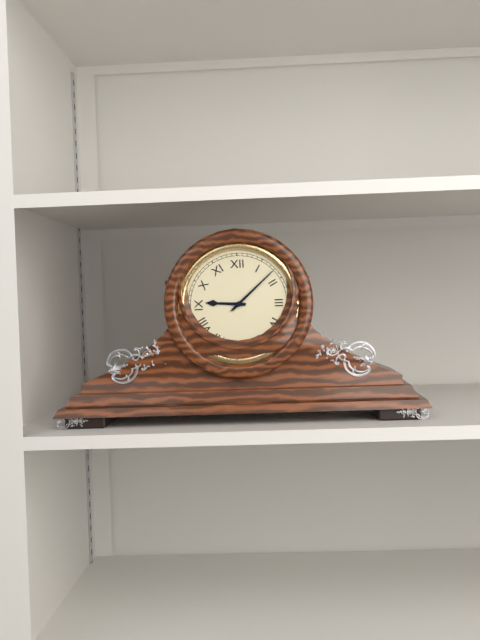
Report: **9:08**
